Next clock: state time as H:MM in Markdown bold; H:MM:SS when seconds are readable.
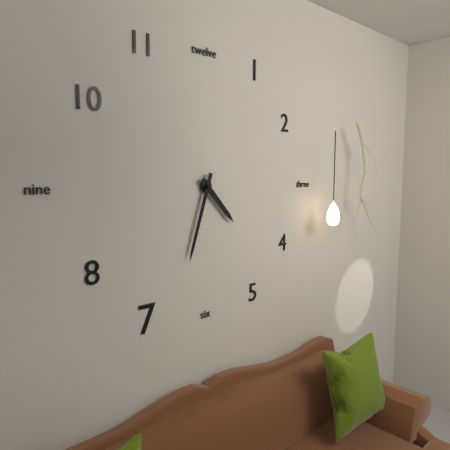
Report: **4:33**
